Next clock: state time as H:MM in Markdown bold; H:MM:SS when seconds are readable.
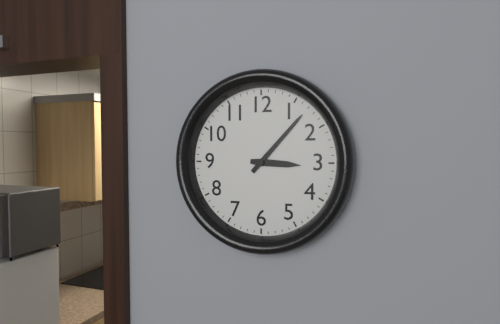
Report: **3:07**
